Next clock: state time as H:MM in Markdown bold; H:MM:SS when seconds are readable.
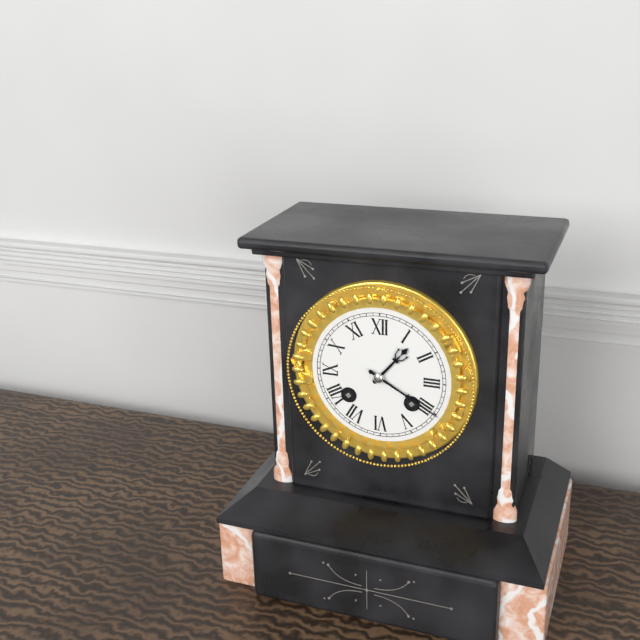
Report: **1:20**
